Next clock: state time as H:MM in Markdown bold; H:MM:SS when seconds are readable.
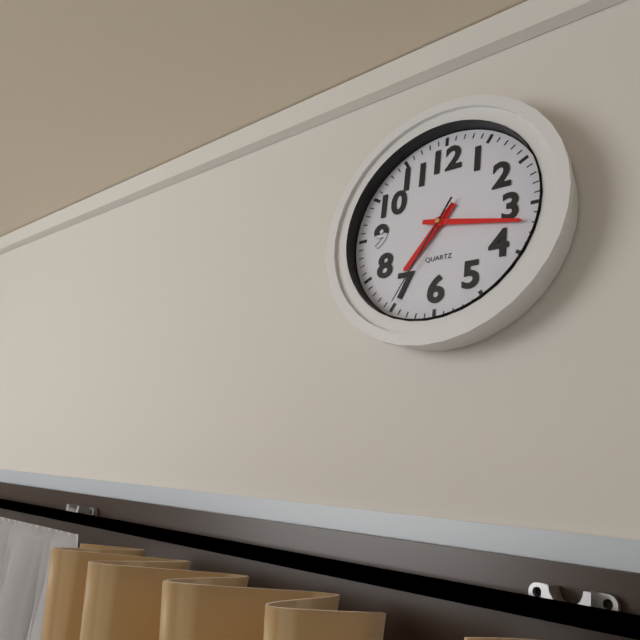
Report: **7:17:35**
